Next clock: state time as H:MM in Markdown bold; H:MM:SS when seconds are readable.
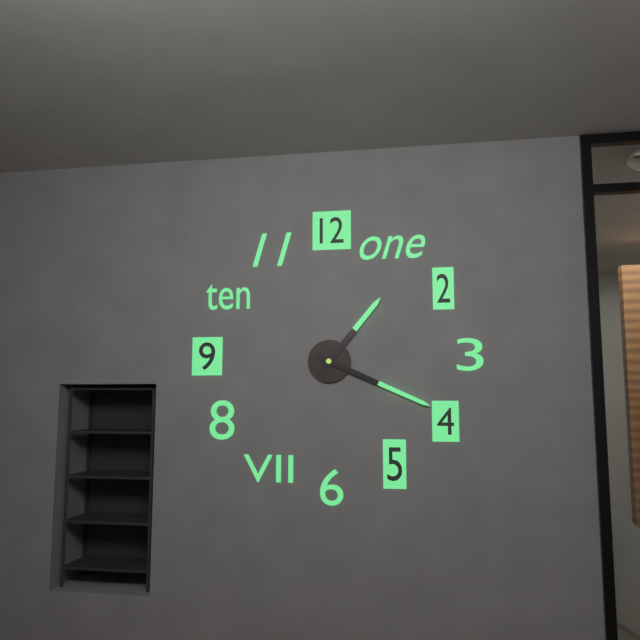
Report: **1:19**
